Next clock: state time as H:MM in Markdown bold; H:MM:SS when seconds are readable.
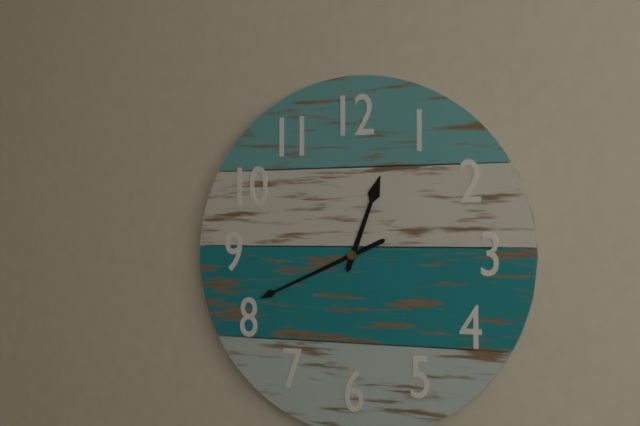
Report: **12:41**
